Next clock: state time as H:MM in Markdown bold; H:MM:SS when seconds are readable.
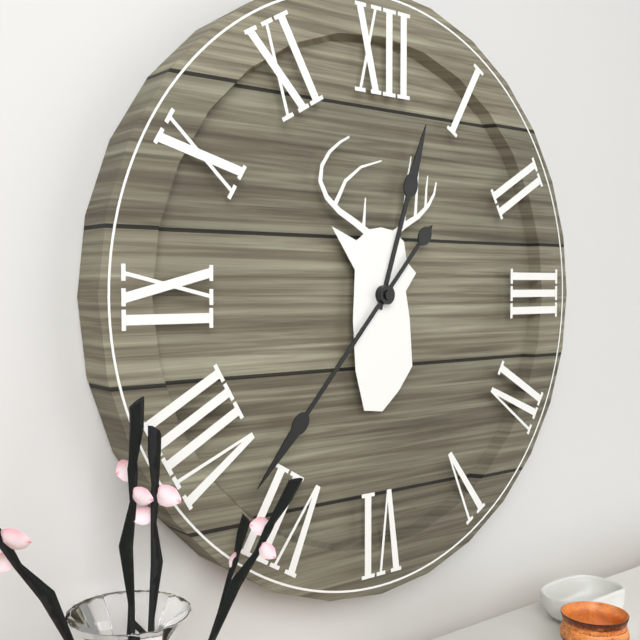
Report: **12:37**
